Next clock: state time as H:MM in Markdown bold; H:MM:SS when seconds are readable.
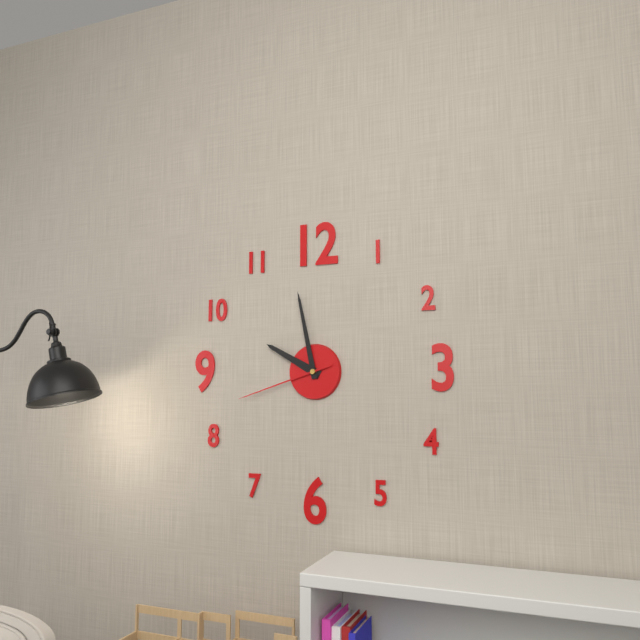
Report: **9:58:42**
